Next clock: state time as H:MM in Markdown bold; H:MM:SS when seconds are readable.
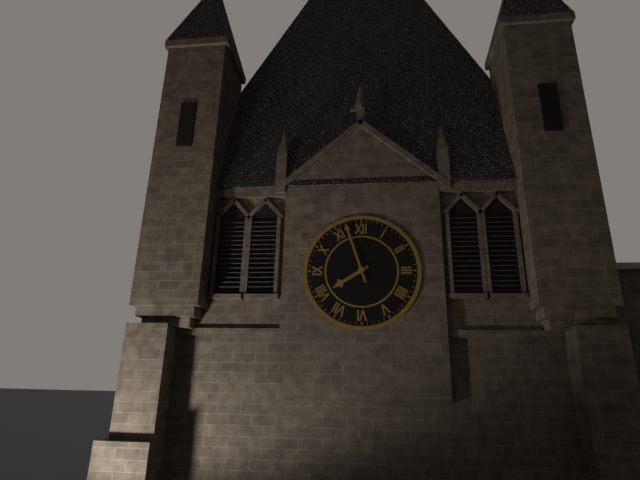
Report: **7:57**
